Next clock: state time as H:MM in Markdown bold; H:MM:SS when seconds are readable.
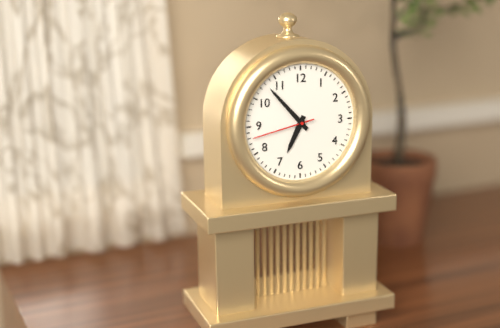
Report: **6:53:43**
